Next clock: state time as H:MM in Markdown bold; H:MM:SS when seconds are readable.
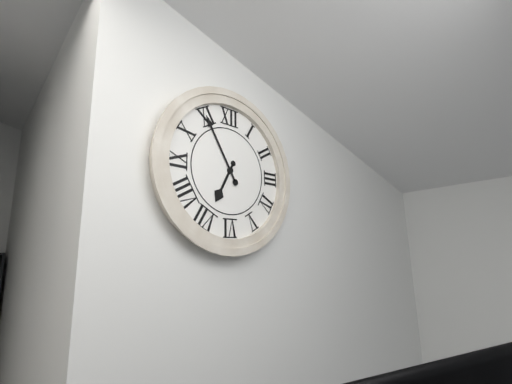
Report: **6:55**
